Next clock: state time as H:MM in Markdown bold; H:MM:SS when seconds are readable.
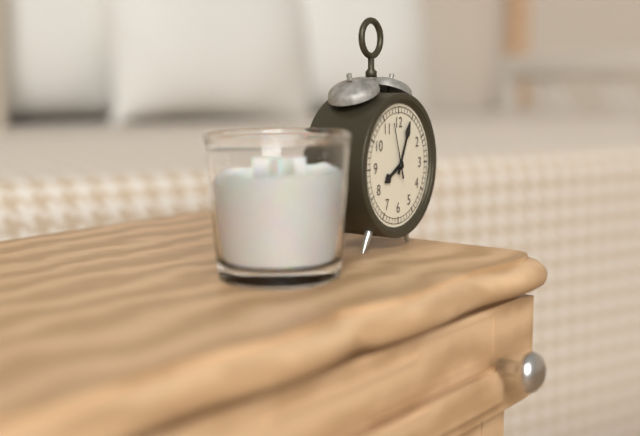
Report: **8:04:57**
